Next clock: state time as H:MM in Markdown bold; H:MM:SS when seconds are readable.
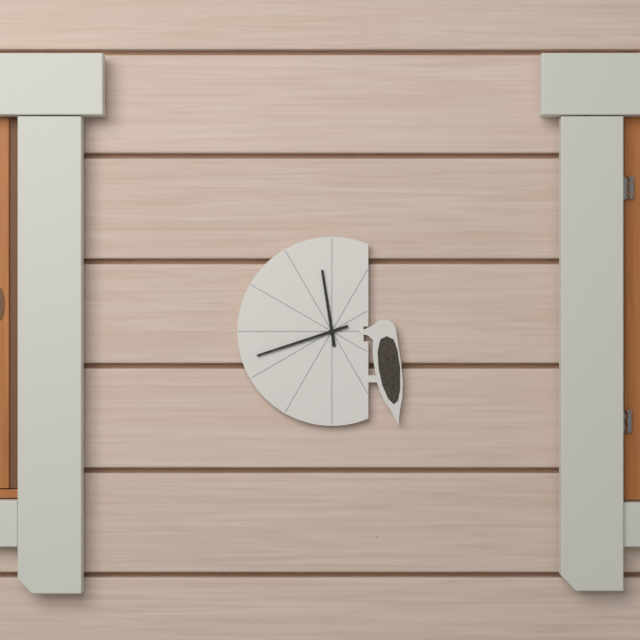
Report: **11:42**
